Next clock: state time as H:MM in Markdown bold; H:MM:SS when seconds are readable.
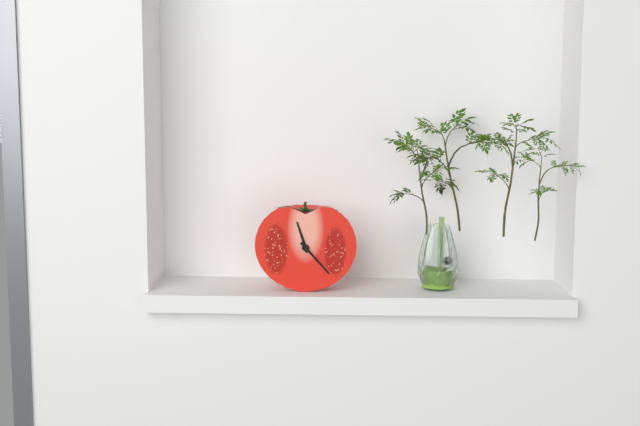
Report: **11:23**
